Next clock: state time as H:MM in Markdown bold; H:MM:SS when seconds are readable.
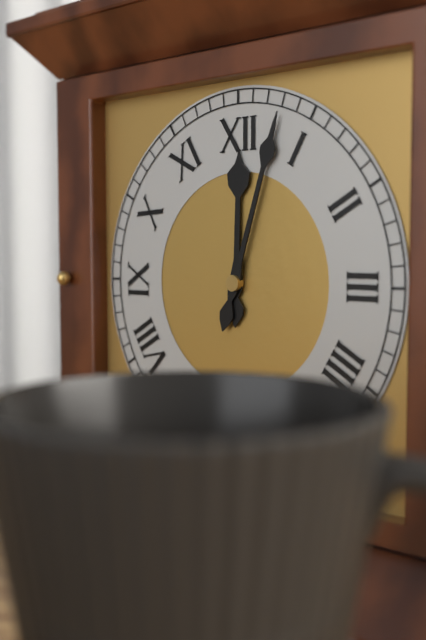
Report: **12:03**
